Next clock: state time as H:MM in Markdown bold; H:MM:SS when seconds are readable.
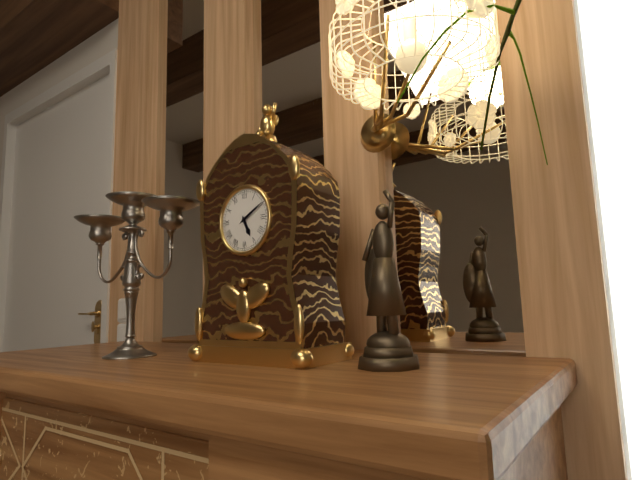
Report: **5:10**
